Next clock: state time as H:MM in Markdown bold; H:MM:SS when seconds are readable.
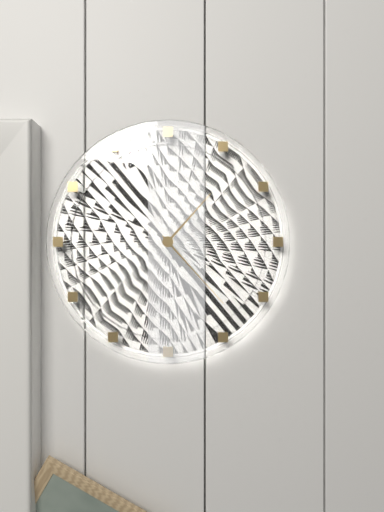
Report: **1:23**
